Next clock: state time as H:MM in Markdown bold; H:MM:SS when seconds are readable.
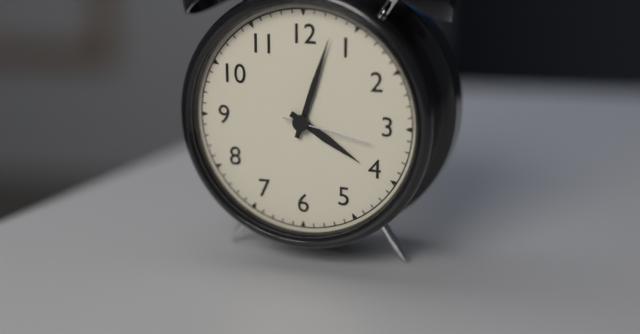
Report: **4:03:17**
